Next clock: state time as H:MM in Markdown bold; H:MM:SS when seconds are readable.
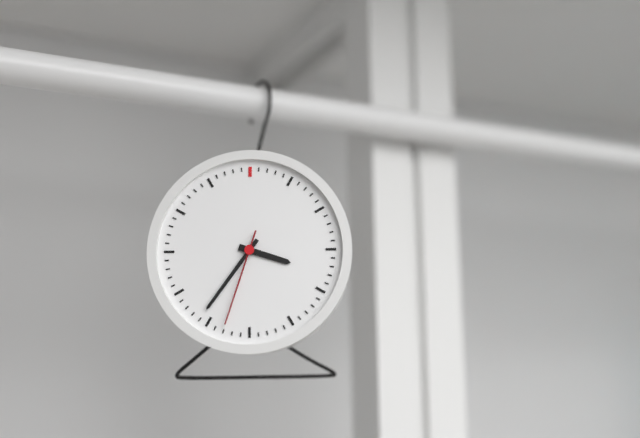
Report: **3:36:33**
